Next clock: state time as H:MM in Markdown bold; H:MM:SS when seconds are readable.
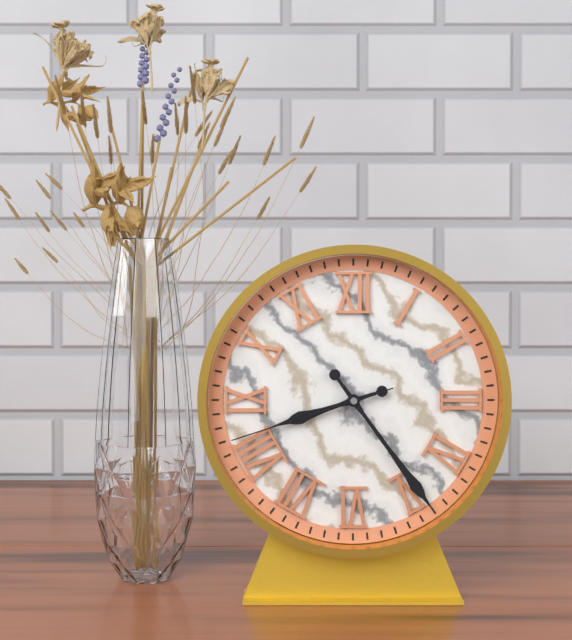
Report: **8:24:42**
